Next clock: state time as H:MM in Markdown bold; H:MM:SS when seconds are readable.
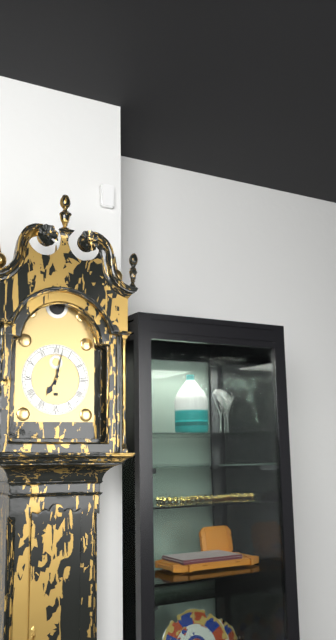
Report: **7:02**
